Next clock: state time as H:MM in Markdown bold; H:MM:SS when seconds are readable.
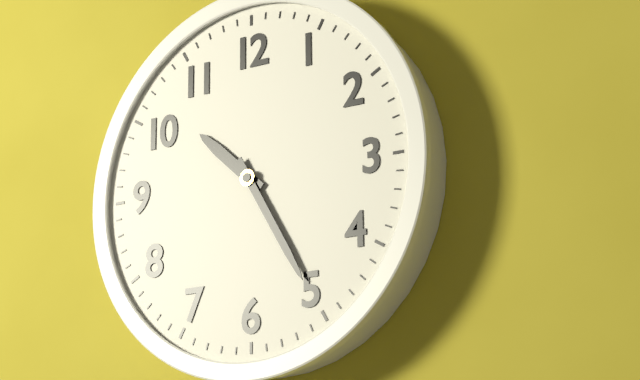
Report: **10:25**
